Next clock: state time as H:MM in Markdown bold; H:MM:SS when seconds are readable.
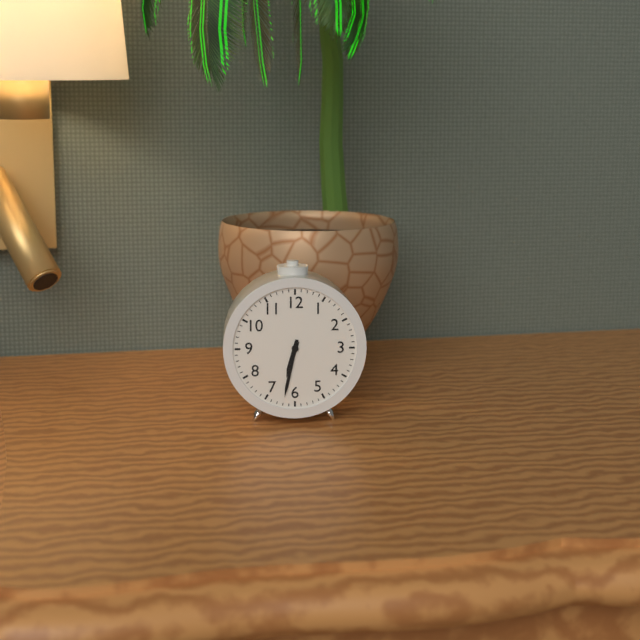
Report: **6:32**
